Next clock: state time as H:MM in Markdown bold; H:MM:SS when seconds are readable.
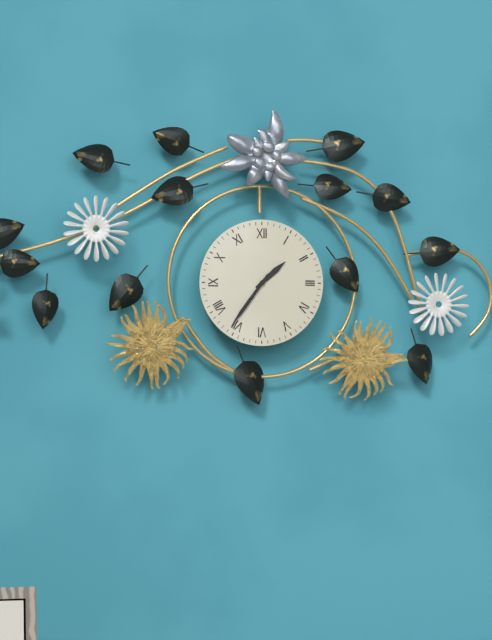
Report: **1:36**
